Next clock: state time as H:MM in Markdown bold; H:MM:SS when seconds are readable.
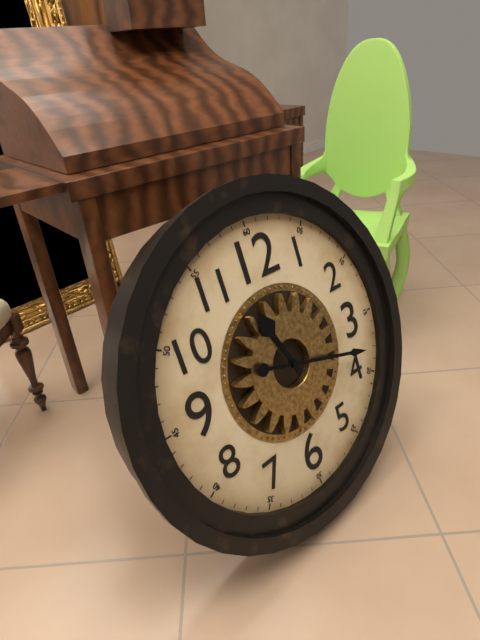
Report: **11:18**
